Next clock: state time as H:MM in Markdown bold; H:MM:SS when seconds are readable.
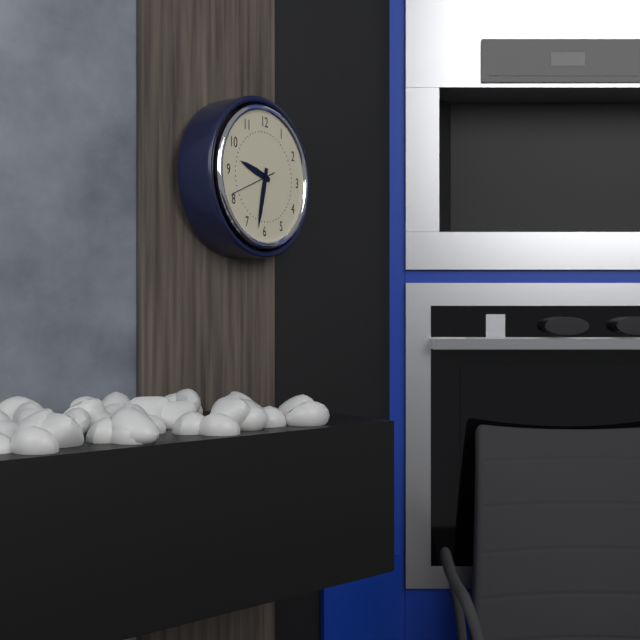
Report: **9:32**
